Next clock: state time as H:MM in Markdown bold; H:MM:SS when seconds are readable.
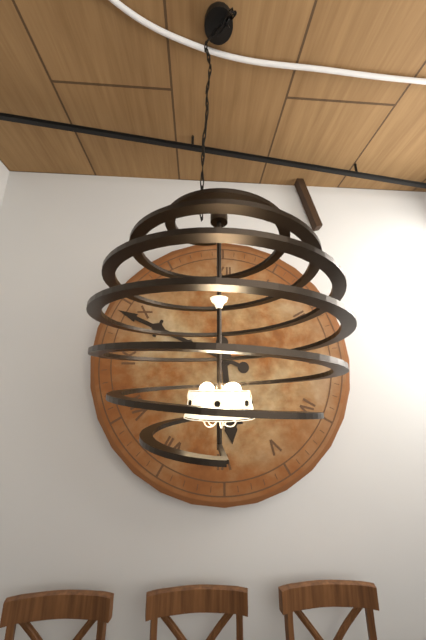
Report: **5:49**
